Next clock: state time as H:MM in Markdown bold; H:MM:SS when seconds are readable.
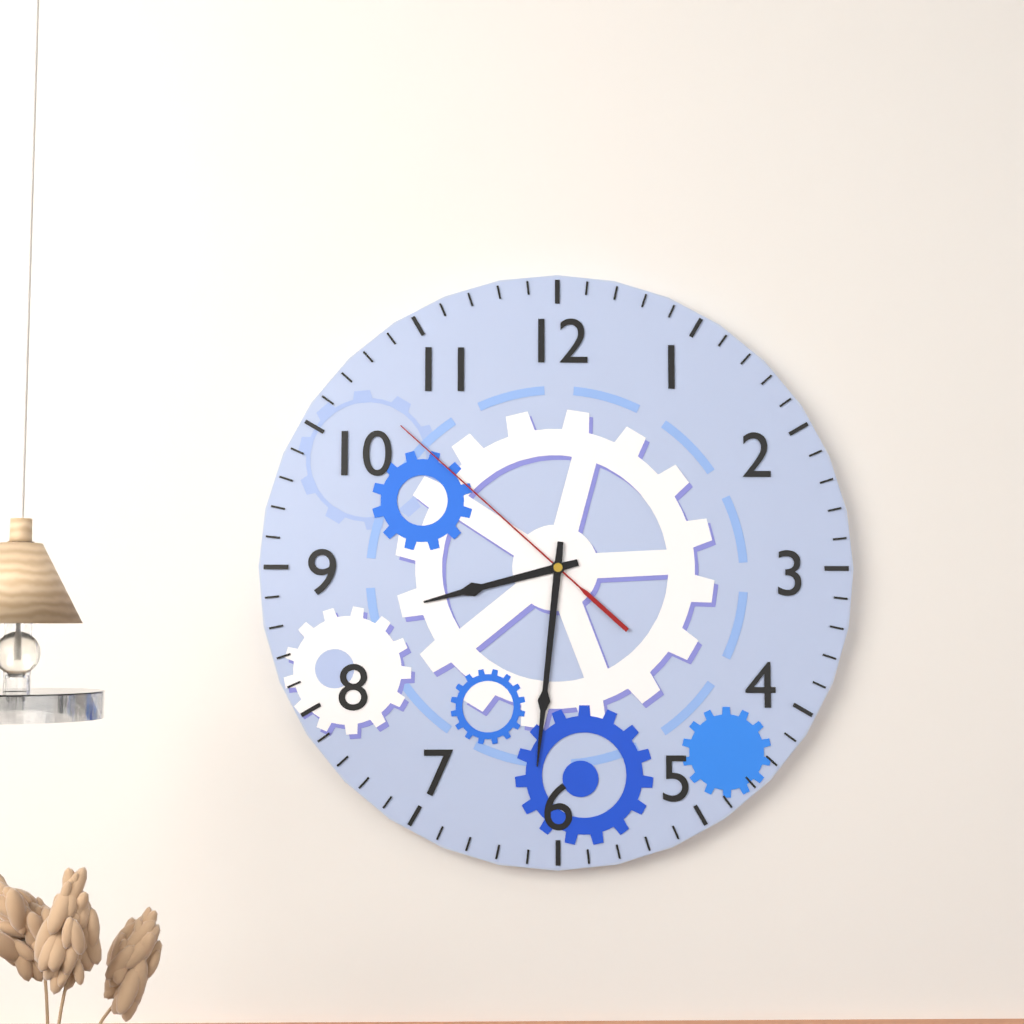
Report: **8:31:52**
